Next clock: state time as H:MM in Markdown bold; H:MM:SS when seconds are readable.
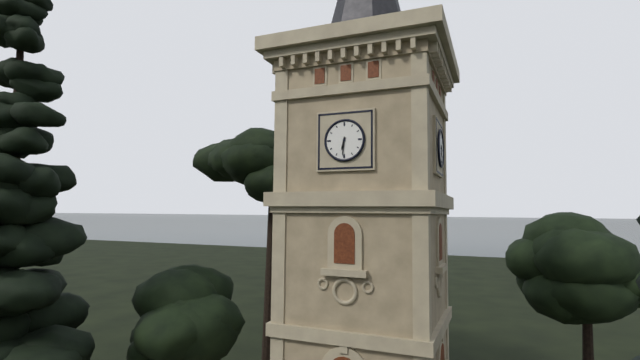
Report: **6:31**
